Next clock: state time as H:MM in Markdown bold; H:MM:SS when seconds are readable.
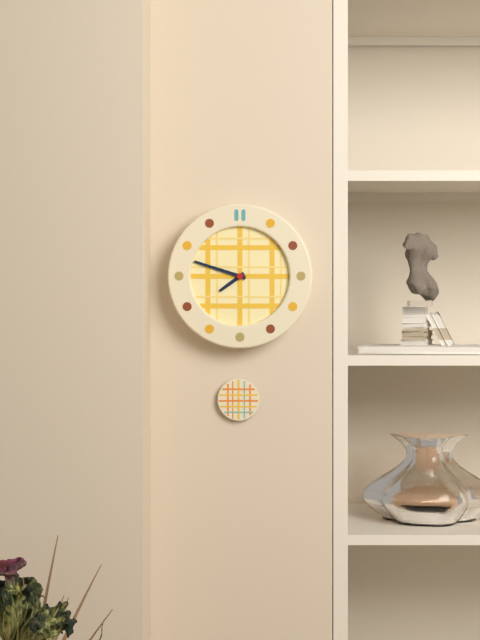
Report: **7:48**
